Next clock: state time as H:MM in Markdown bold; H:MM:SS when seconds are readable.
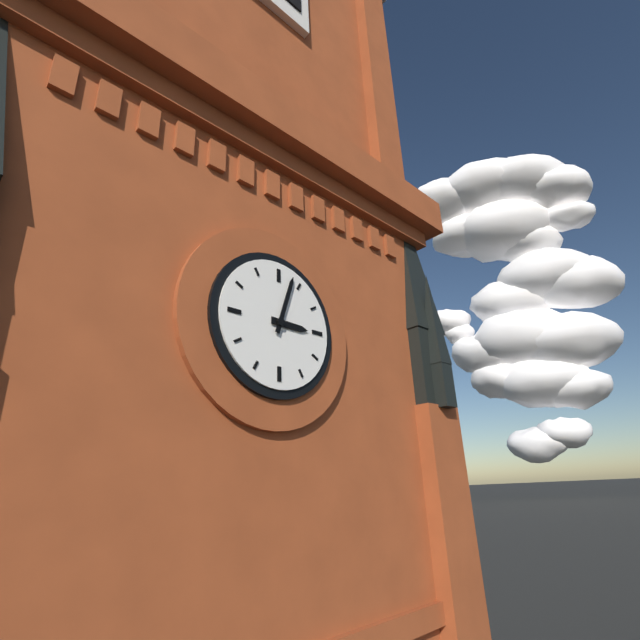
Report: **3:03**
